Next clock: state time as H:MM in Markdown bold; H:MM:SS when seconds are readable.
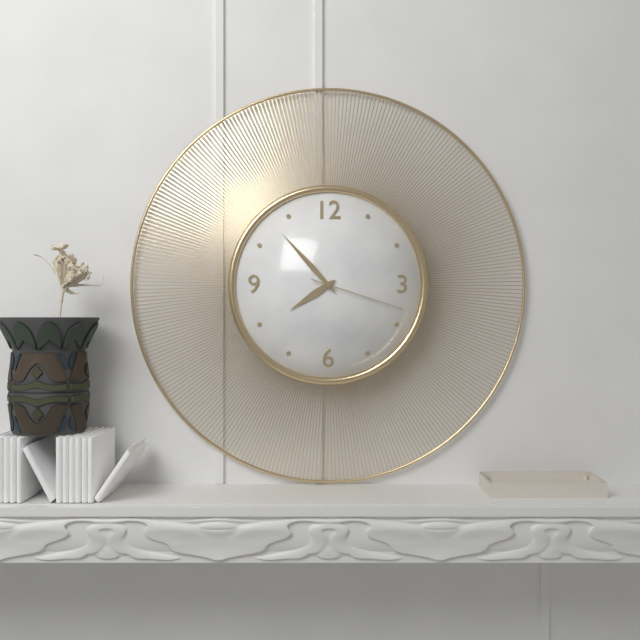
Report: **7:53:18**
